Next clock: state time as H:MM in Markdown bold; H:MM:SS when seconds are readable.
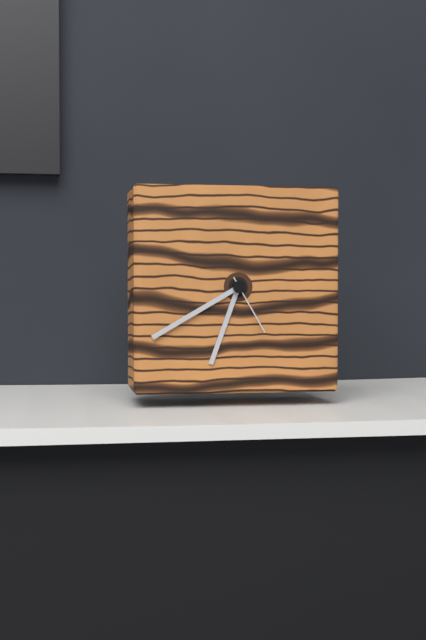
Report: **6:40:25**
